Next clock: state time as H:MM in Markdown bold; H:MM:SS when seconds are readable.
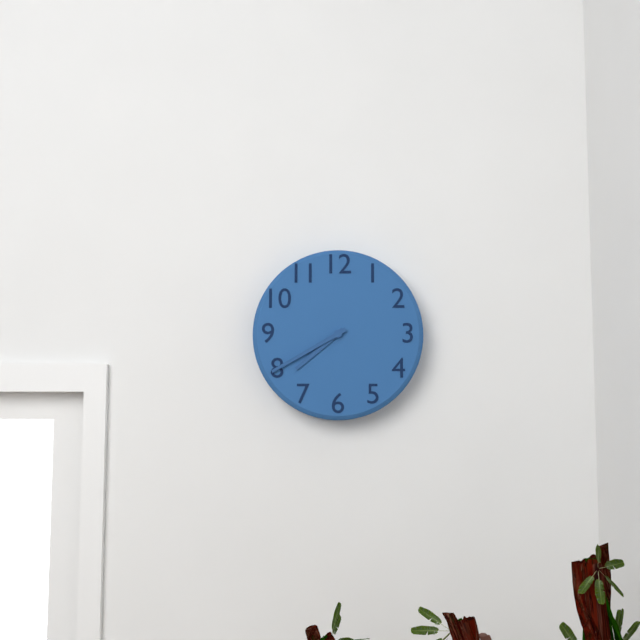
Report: **7:40**
